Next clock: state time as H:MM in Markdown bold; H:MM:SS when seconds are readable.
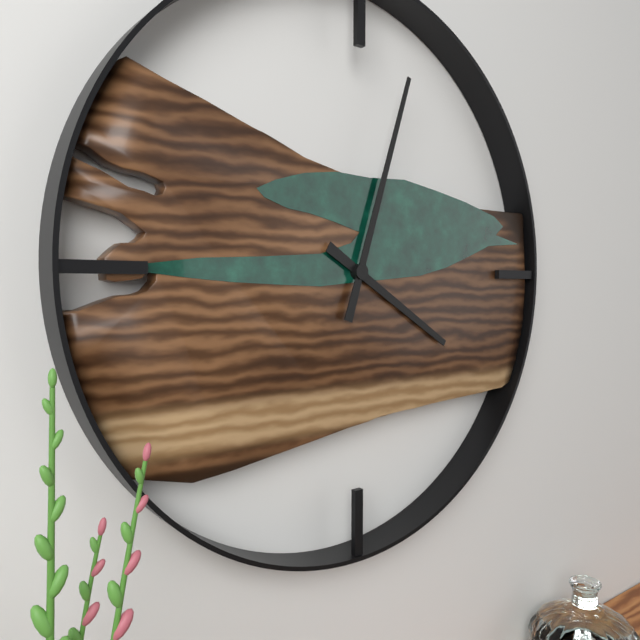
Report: **4:03**
